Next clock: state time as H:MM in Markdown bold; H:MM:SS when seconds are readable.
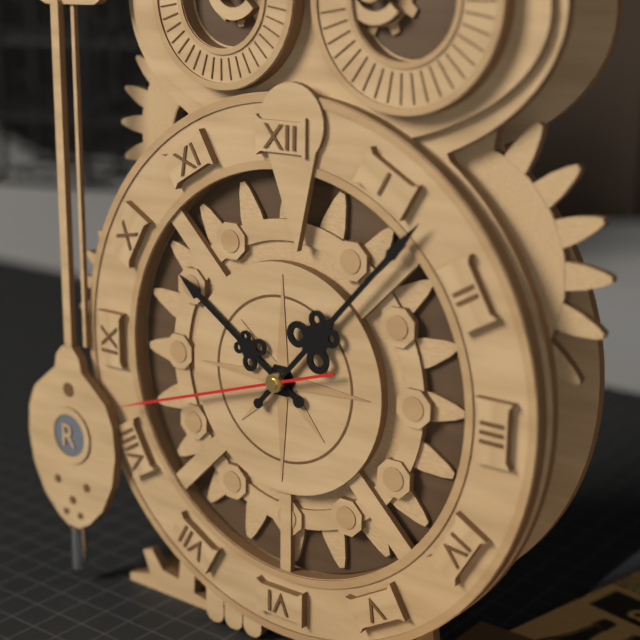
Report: **10:07:42**
